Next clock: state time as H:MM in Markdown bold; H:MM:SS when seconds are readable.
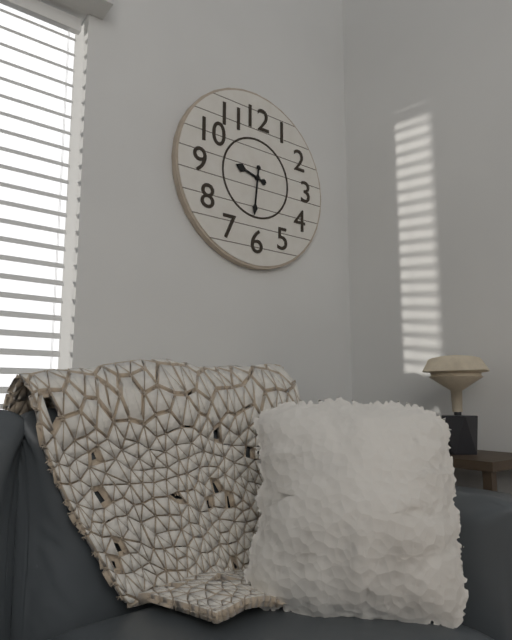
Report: **9:31**
